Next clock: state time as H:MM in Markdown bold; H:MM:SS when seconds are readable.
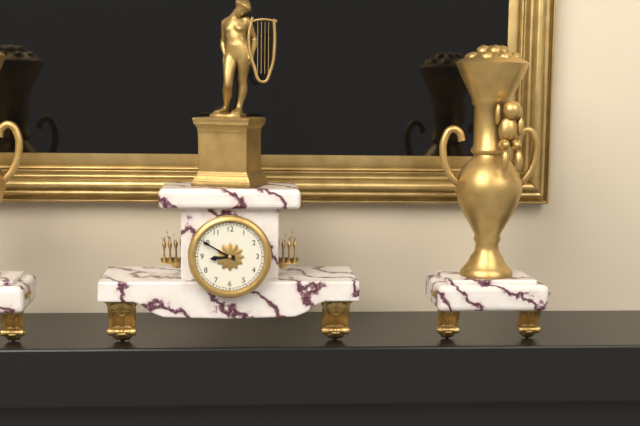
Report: **8:50**
